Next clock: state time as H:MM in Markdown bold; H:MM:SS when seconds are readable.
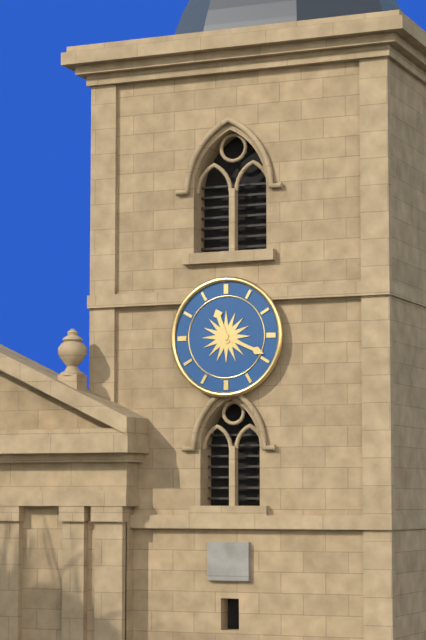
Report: **11:19**
